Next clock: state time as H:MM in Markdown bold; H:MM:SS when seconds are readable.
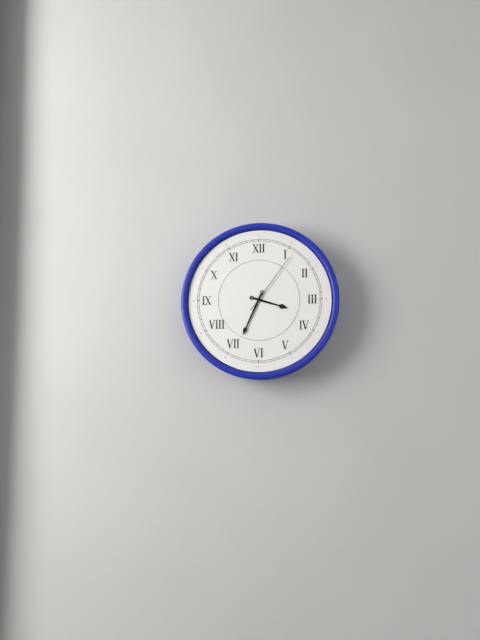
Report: **3:34:06**
